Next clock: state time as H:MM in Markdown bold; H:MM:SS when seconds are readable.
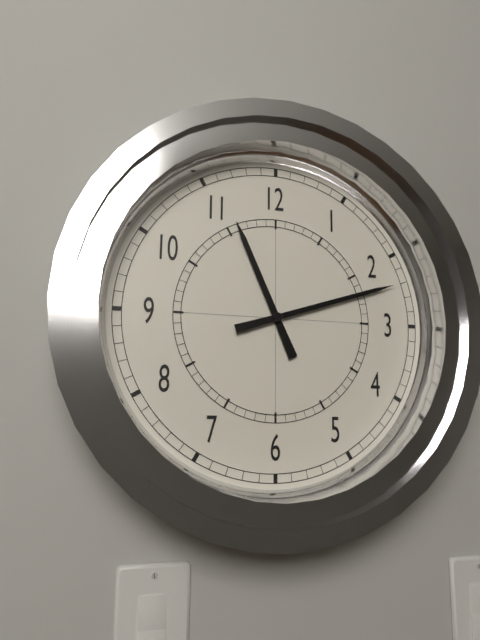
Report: **11:12**
